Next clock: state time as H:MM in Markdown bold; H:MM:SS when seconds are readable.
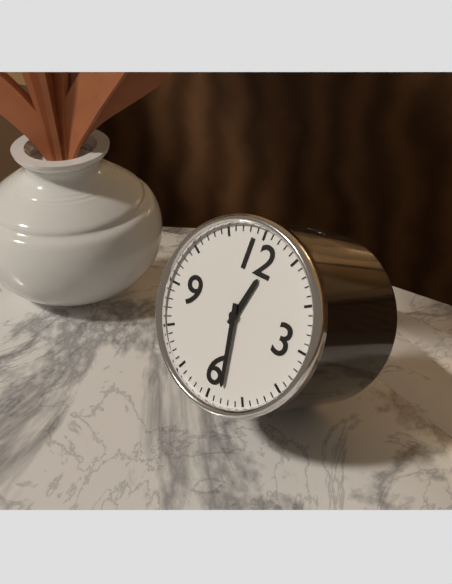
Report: **12:28**
